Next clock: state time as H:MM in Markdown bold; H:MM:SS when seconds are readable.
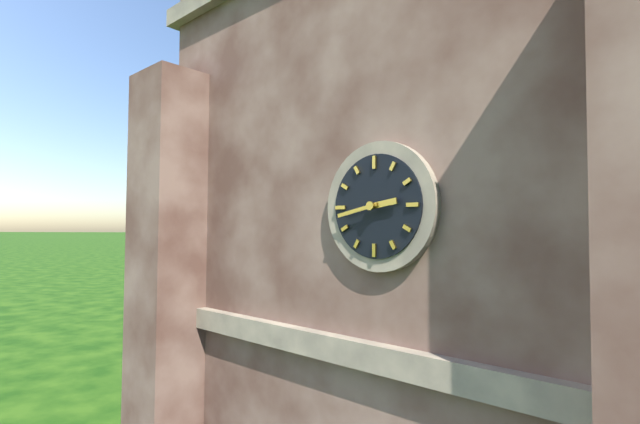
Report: **2:43**
